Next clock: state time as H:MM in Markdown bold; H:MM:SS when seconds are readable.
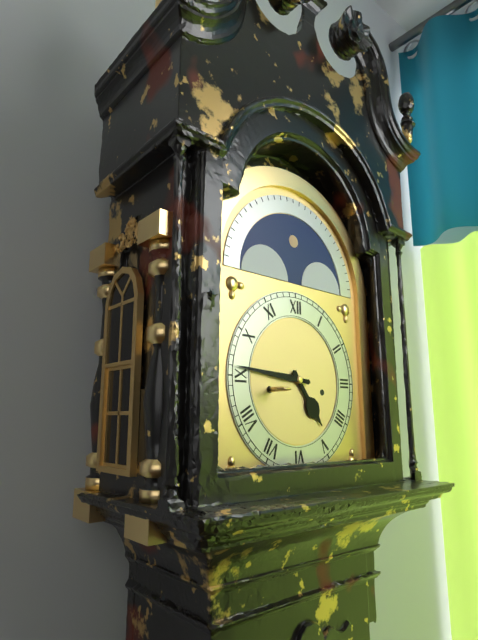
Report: **4:46**
